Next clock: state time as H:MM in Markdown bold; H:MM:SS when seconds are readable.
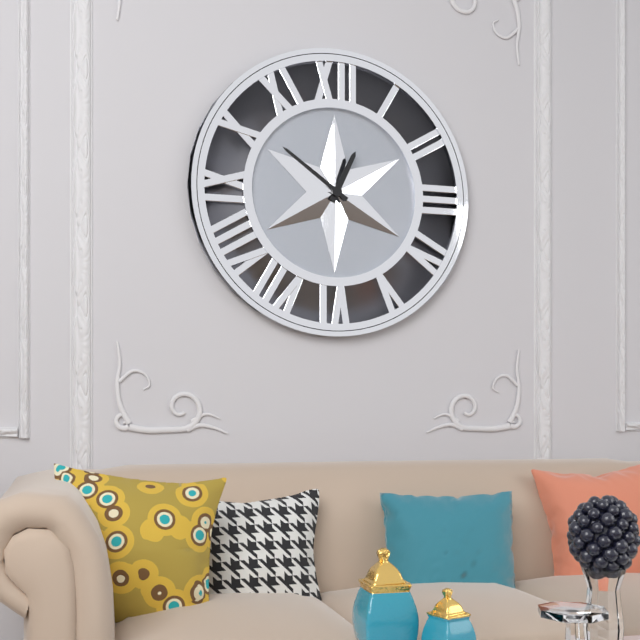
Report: **12:51**
